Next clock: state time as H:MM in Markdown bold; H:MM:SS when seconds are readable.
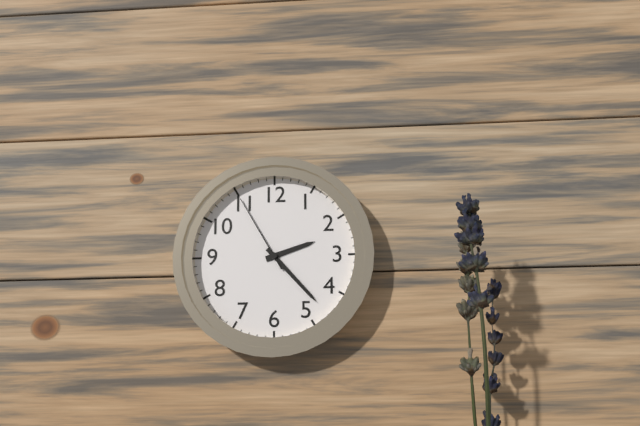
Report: **2:23:55**
